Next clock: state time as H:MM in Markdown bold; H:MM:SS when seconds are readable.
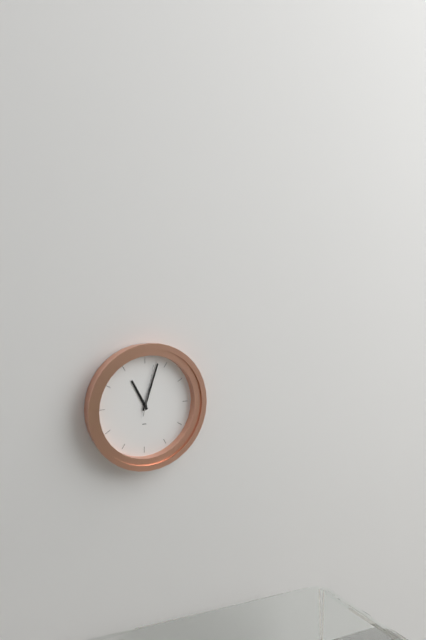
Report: **11:03:02**
